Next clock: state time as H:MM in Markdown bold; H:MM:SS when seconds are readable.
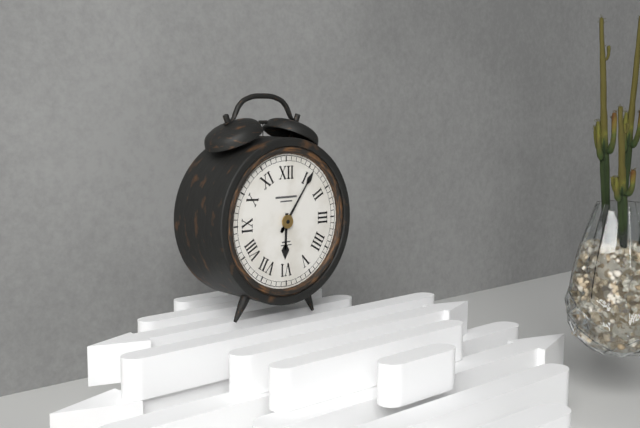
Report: **6:06**
